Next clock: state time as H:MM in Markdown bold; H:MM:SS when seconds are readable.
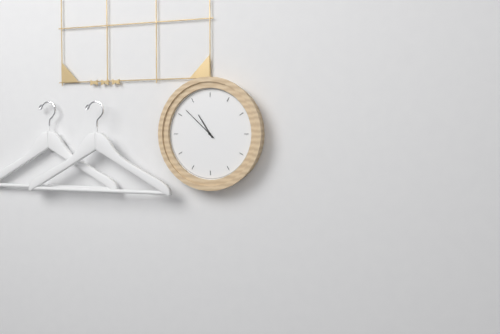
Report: **10:52**
